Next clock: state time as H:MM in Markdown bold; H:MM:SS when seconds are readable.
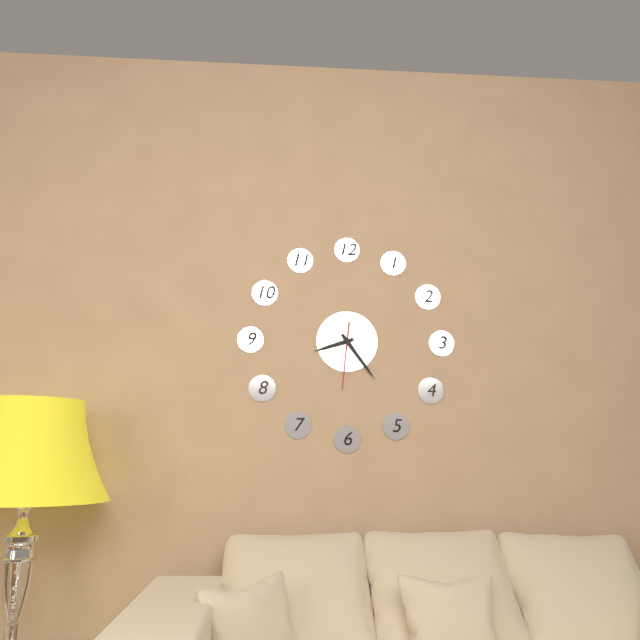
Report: **8:24:31**
